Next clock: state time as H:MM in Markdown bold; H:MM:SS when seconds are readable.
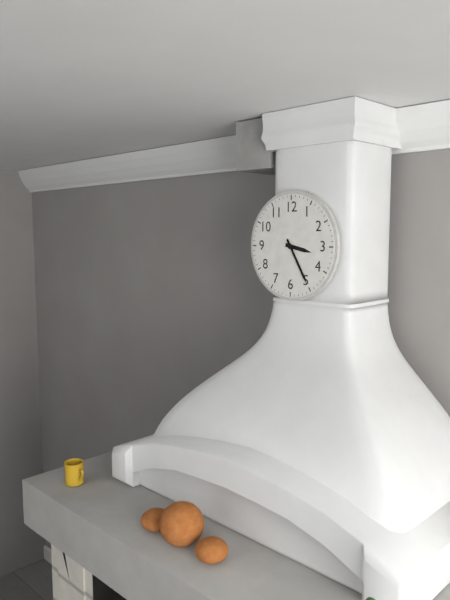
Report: **3:25**
